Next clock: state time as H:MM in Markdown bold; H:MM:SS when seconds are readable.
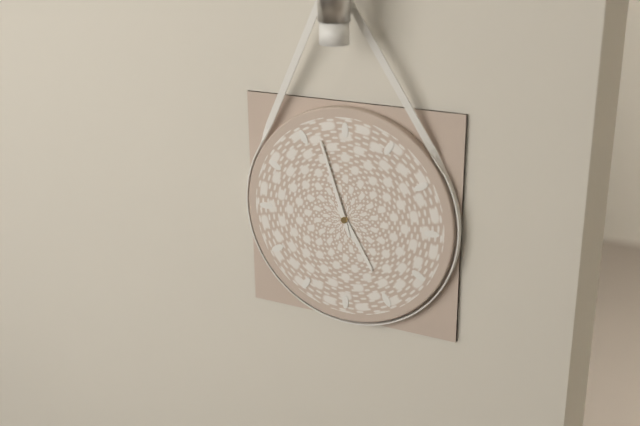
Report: **4:57**
